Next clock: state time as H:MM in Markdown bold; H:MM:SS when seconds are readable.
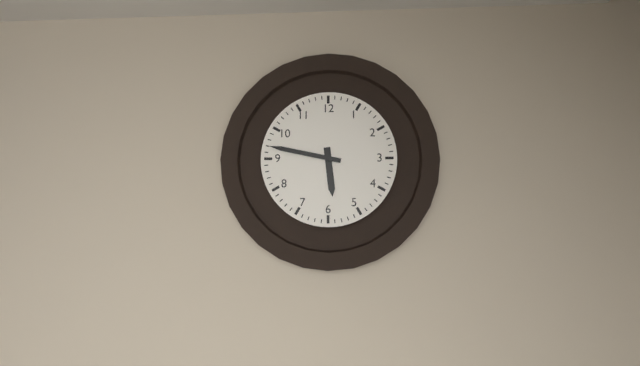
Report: **5:47**
